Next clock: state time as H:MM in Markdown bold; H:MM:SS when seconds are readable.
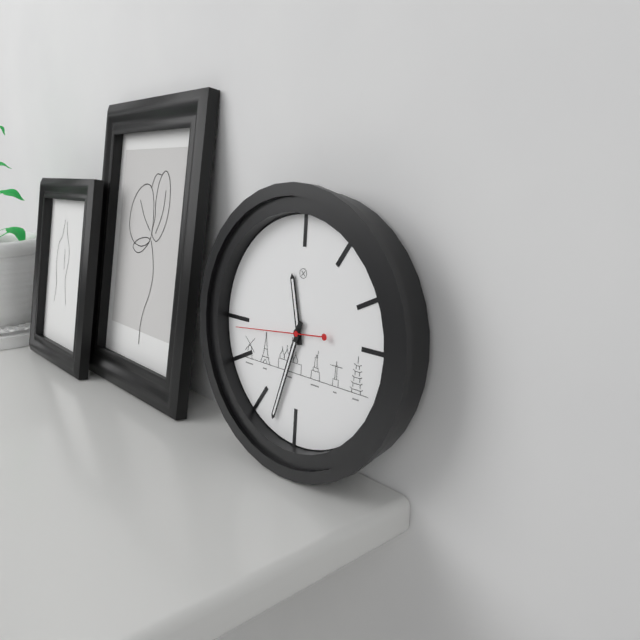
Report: **11:33:44**
